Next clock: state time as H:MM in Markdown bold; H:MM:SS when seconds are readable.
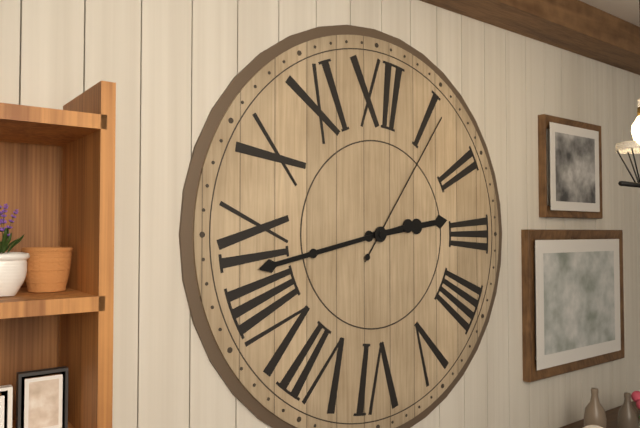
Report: **2:43:06**
